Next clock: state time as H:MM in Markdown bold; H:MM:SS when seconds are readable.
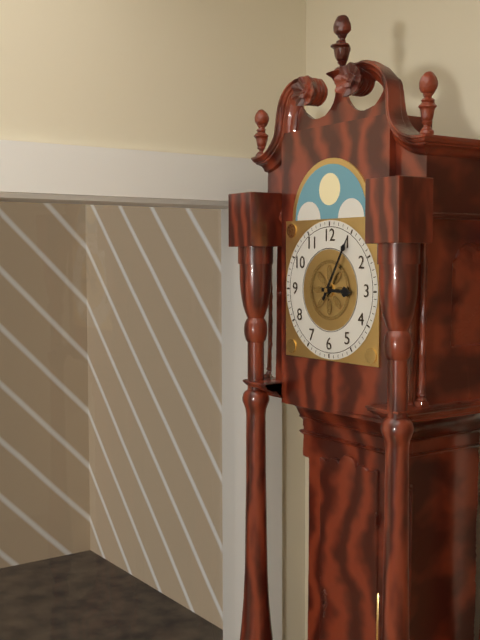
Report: **3:05**
